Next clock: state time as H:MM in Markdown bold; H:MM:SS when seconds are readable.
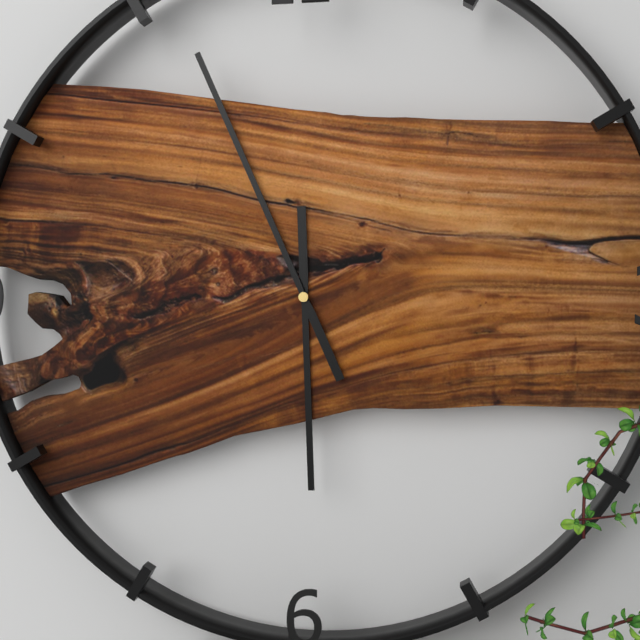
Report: **5:56**
